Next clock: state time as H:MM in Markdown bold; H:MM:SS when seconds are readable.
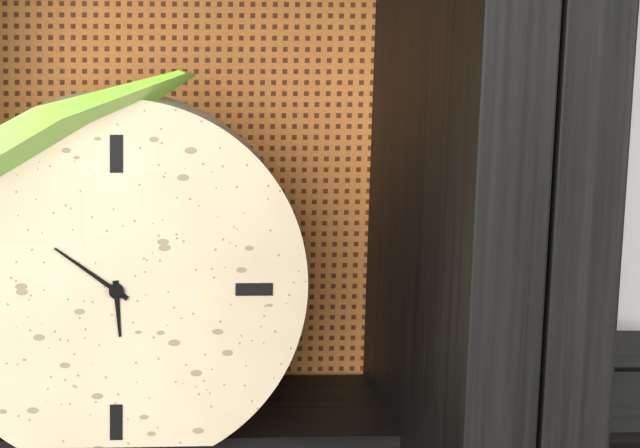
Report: **5:51**
